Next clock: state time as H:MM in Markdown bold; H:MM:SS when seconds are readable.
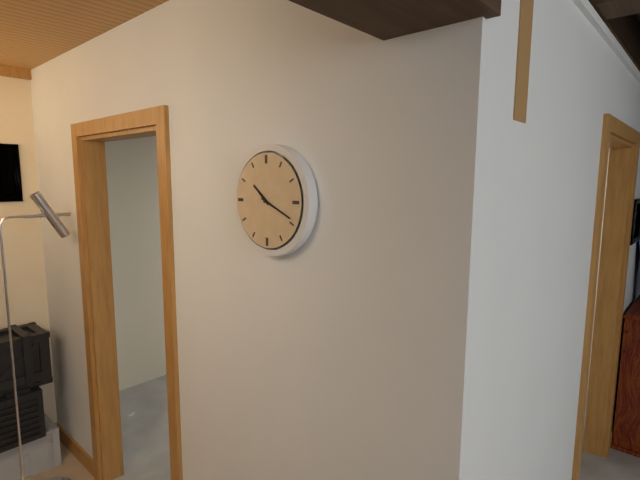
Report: **10:19**
